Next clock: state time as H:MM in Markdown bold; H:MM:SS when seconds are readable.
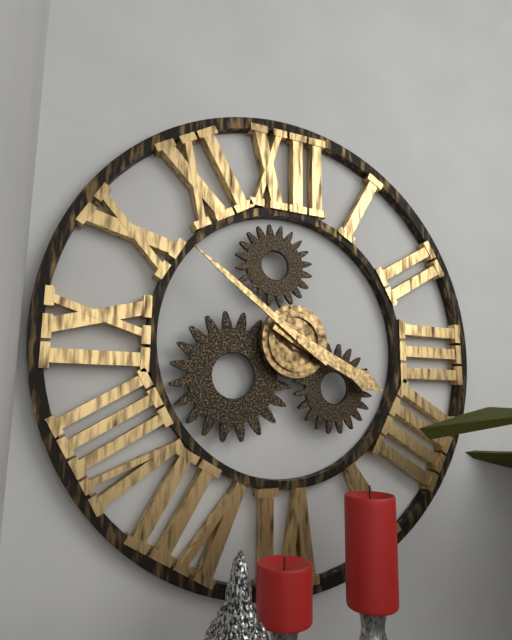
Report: **3:51**
